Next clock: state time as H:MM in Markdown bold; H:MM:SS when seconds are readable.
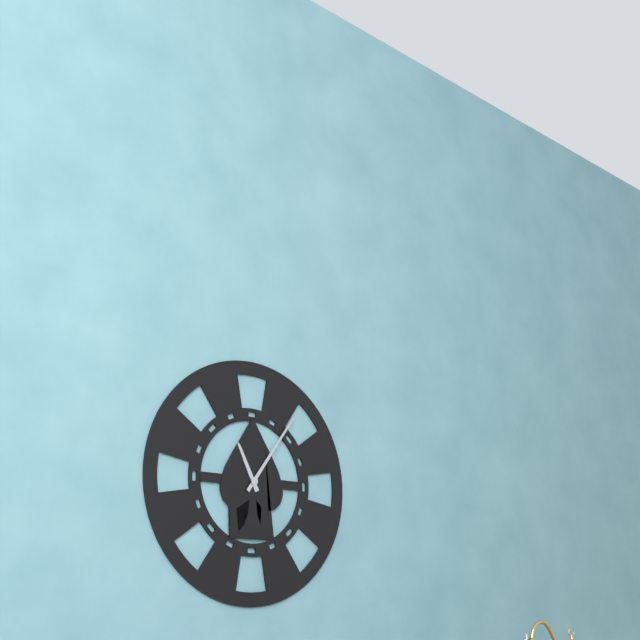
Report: **11:06**
